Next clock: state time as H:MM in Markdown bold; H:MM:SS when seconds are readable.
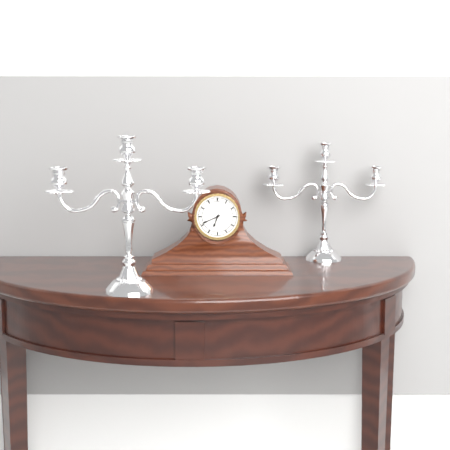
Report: **6:41**
